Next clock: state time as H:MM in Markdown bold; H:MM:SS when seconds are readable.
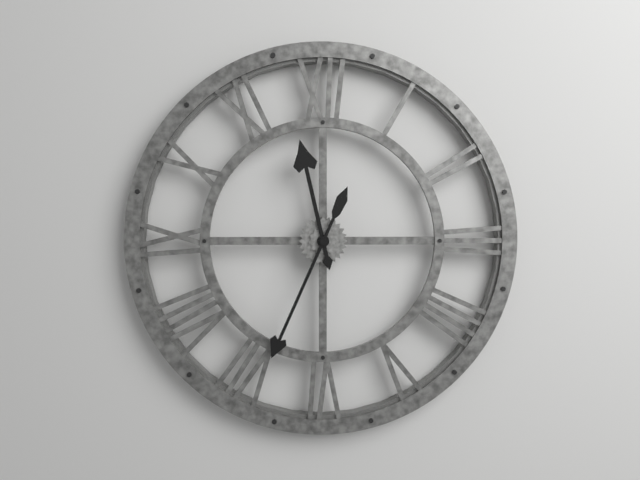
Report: **11:34**
